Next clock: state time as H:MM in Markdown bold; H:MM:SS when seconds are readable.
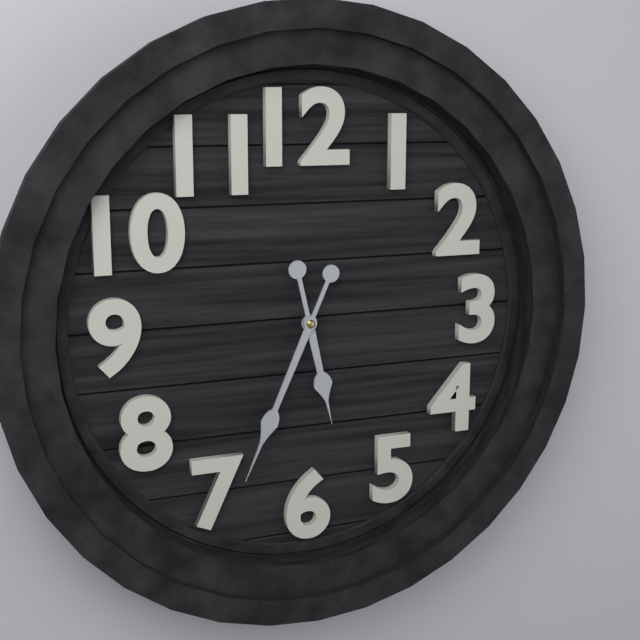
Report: **5:34**
